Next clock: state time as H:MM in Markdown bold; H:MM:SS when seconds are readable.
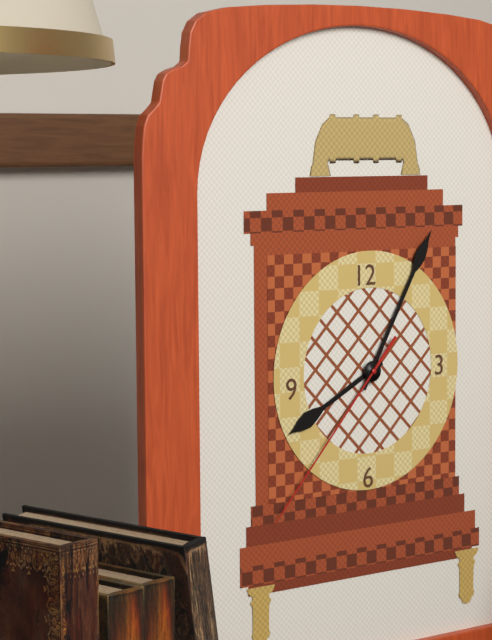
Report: **8:05:37**
